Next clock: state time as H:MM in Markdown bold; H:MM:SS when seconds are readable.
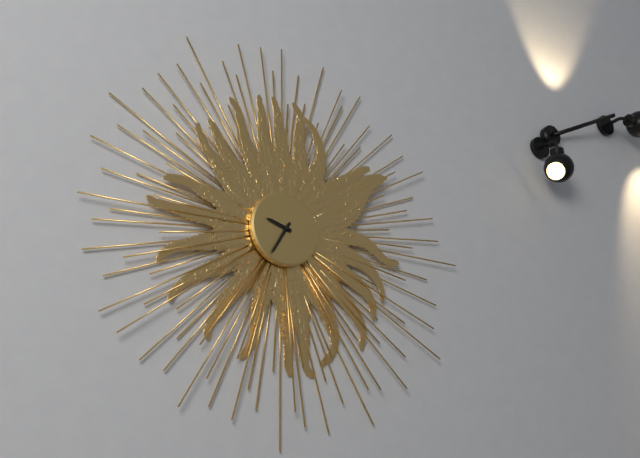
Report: **9:35**
